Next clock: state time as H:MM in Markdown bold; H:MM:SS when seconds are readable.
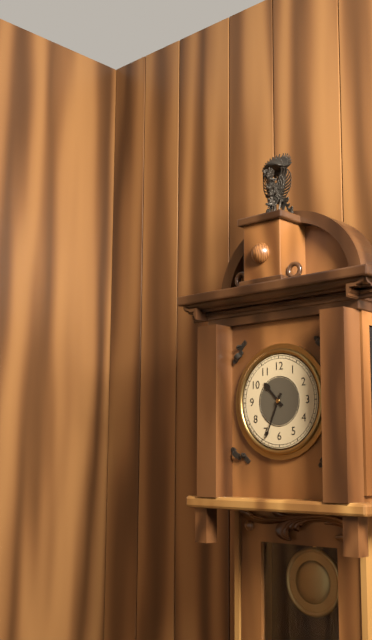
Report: **10:34**
